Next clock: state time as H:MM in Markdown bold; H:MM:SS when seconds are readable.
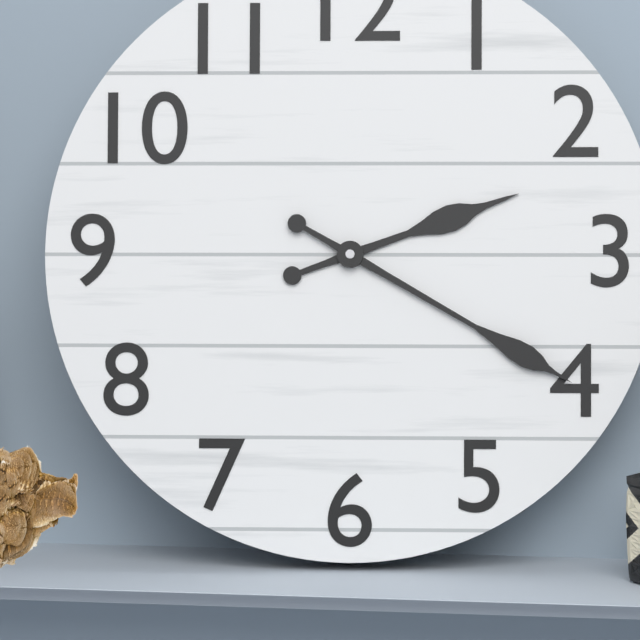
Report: **2:20**
